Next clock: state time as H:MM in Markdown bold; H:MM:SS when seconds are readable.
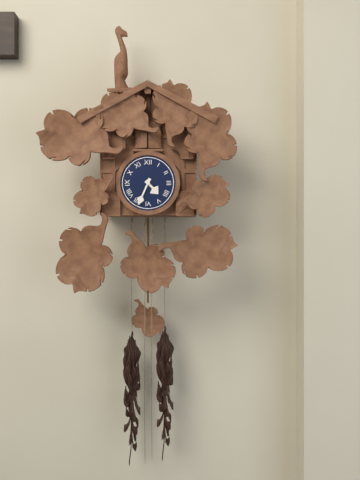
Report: **4:34**
